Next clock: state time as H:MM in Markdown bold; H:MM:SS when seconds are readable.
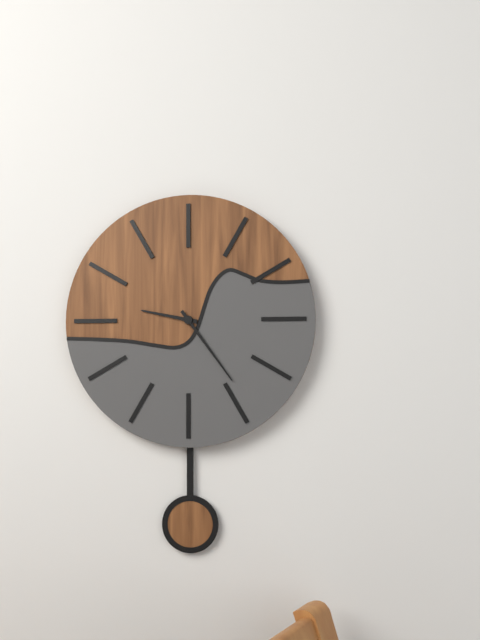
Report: **9:24**
